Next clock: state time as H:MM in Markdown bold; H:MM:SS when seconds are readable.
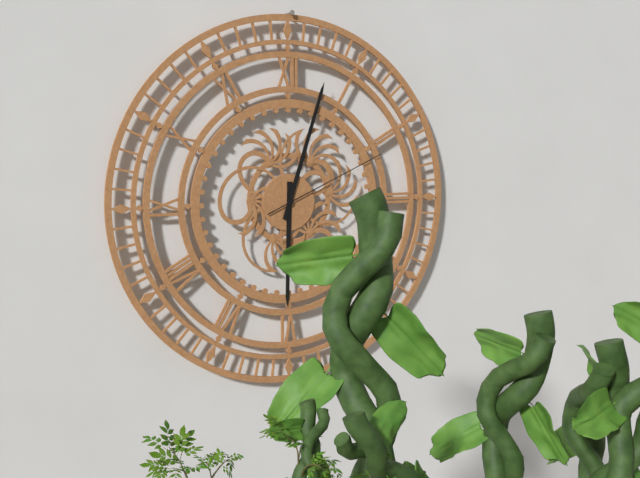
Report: **6:03:11**
